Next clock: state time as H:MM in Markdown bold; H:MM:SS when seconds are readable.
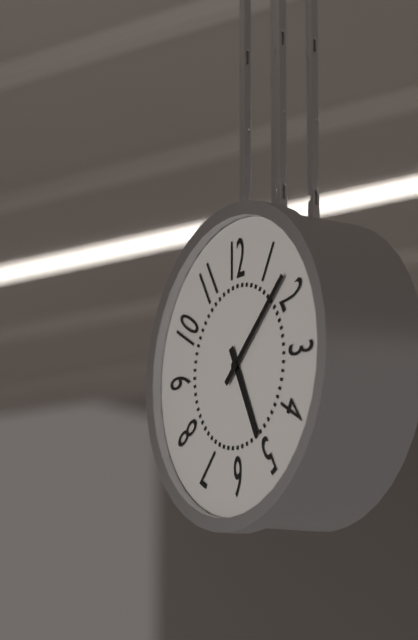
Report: **5:08**
